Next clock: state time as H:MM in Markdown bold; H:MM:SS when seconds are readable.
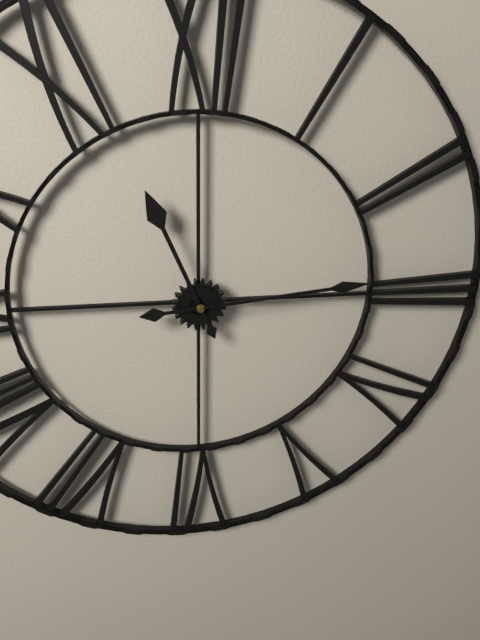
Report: **11:14**
